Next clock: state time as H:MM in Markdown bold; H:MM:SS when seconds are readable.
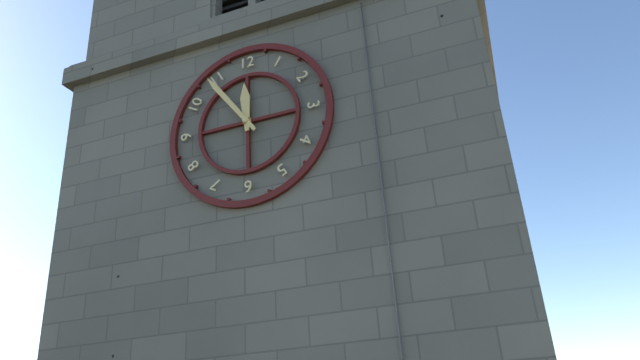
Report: **11:54**
